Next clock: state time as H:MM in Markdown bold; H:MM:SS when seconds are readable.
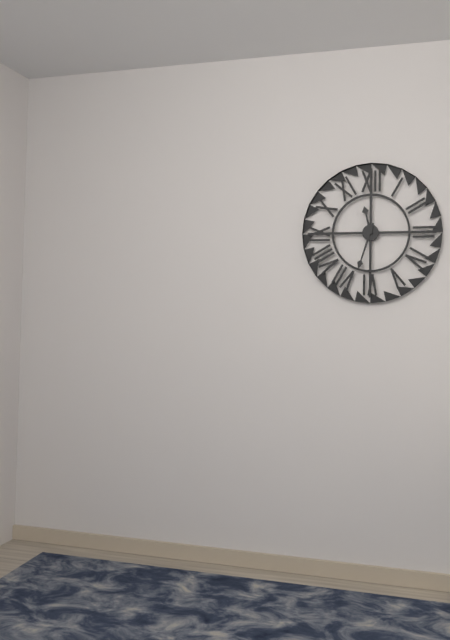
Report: **11:33**
